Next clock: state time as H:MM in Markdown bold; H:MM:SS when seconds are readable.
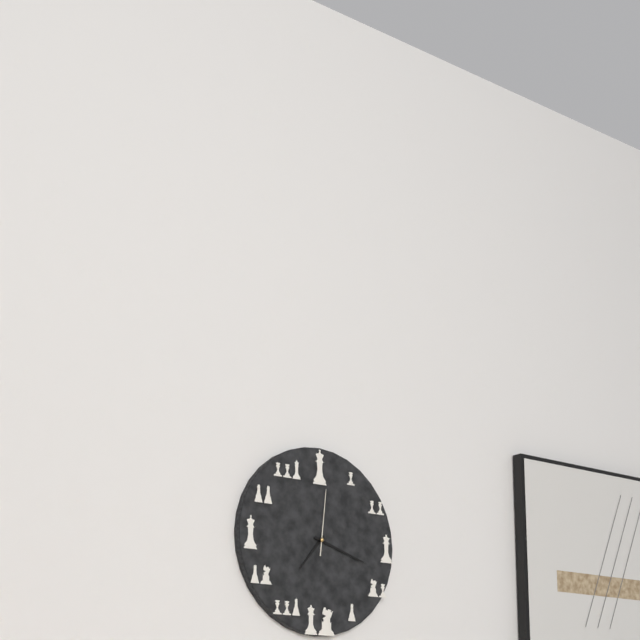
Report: **7:18:01**
